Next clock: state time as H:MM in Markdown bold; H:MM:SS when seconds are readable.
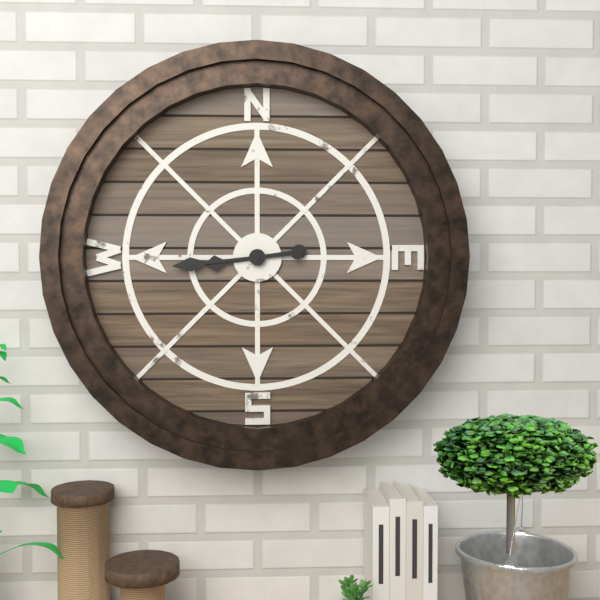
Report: **8:44**
